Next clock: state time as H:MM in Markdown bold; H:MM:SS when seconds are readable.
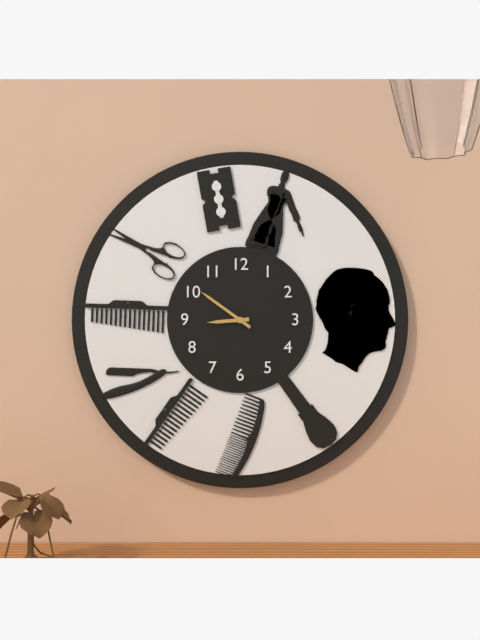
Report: **8:51**
